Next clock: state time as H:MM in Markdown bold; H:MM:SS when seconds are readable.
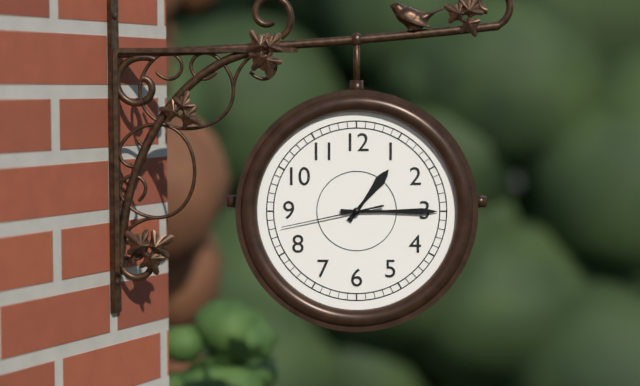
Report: **1:15:43**
